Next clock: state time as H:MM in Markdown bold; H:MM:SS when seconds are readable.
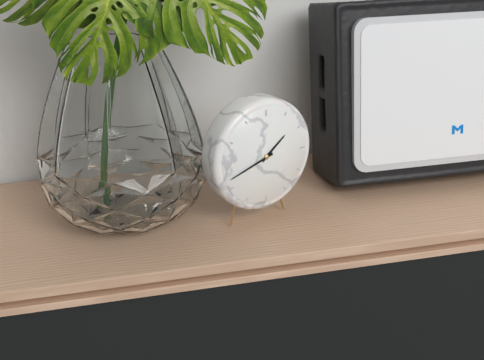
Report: **1:42**
